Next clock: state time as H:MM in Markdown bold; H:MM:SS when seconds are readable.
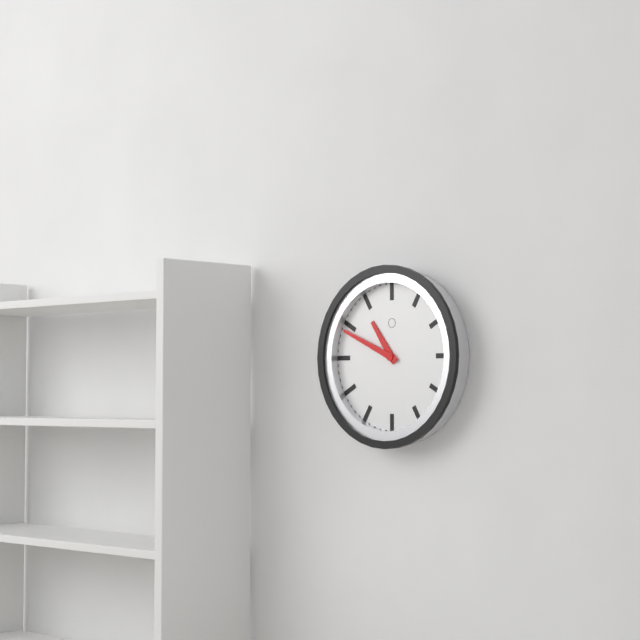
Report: **10:49**
